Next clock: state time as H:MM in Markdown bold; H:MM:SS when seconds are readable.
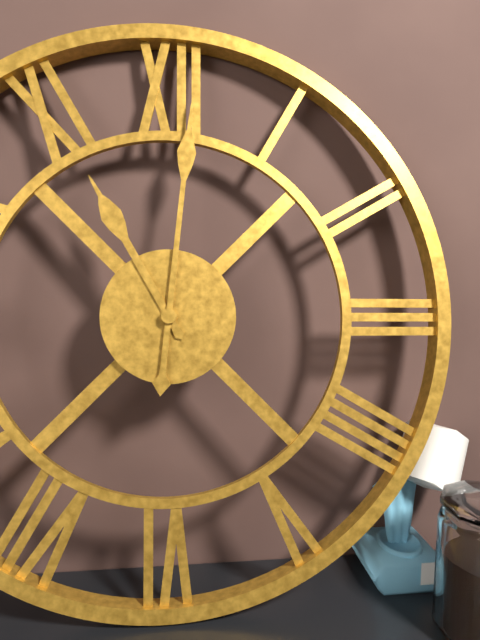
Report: **11:01**
